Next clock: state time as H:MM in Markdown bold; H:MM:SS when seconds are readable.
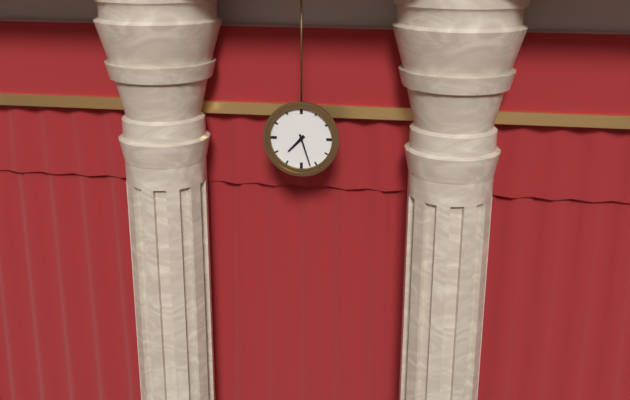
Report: **7:27**
